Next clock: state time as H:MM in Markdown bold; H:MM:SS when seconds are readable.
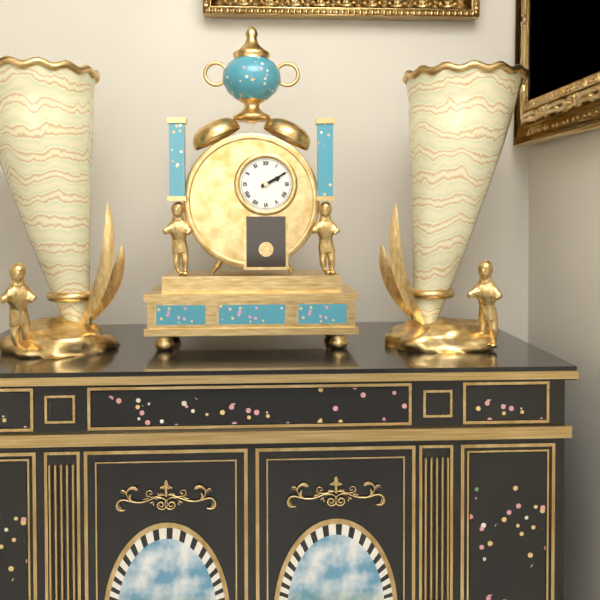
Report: **2:10**
